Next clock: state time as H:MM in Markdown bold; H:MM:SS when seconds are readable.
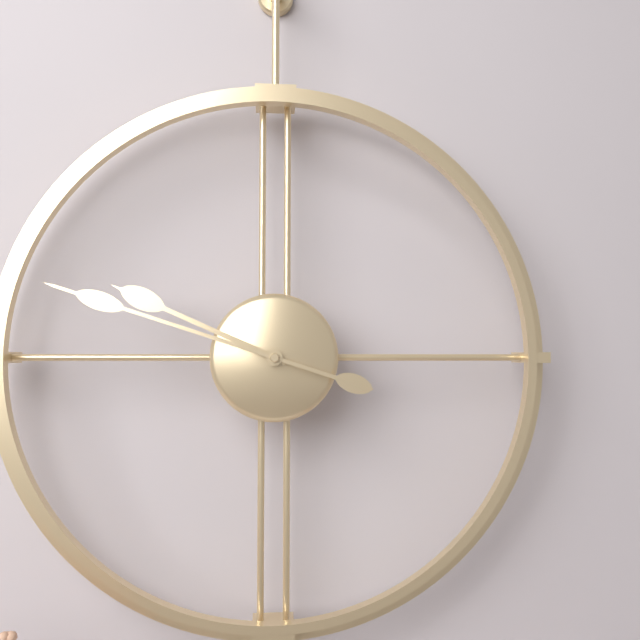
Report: **9:48**
